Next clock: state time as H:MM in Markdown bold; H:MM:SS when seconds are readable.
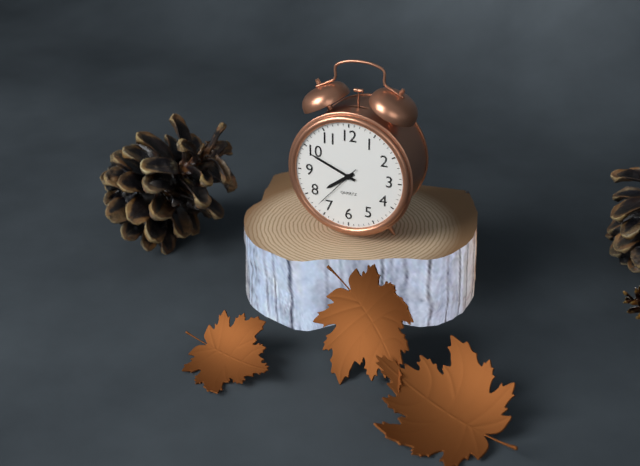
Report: **7:49:37**
